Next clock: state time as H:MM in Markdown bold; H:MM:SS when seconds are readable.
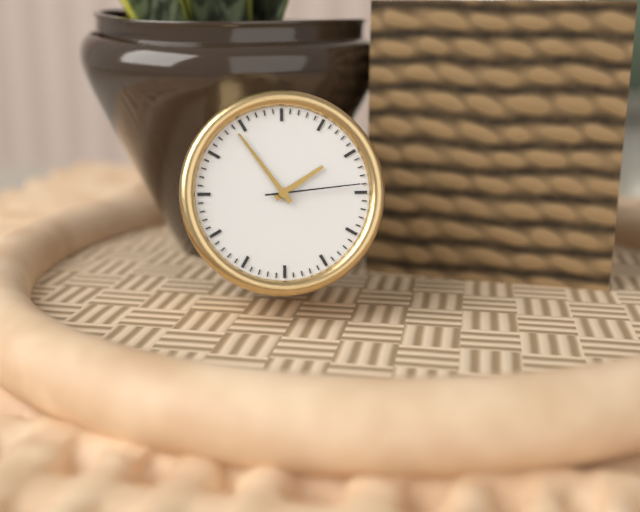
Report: **1:54:14**
